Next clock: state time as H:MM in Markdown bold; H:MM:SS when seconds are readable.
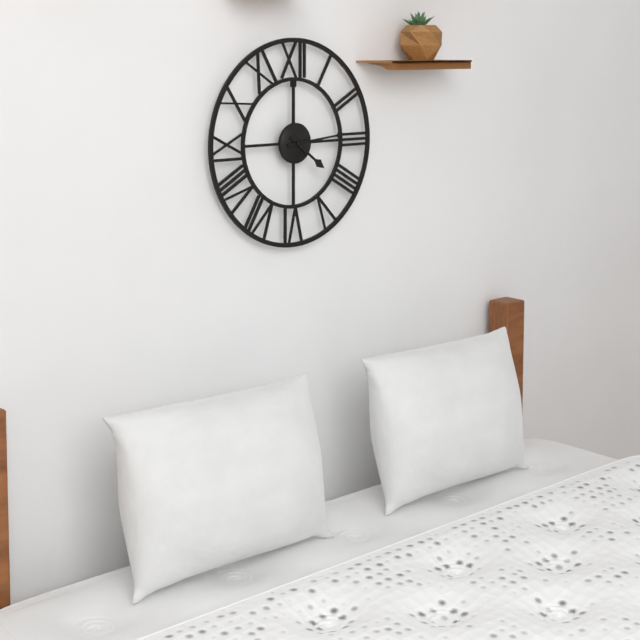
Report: **4:14**
